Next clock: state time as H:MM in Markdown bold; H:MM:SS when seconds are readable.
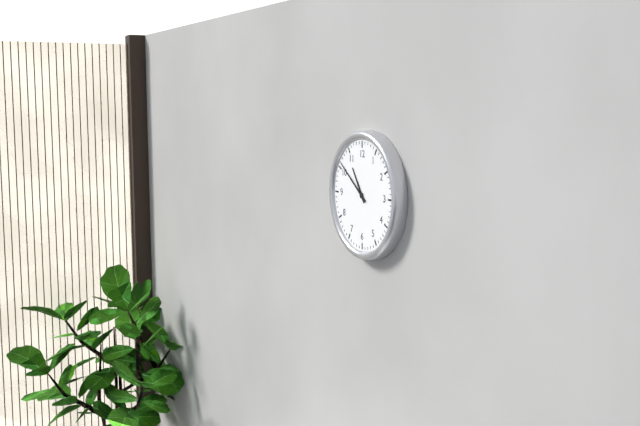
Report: **10:51**
